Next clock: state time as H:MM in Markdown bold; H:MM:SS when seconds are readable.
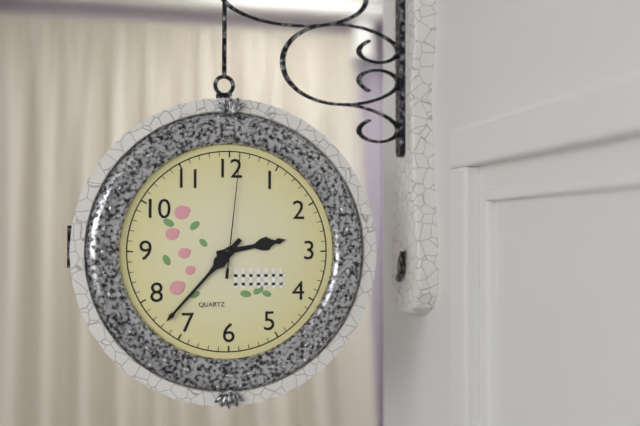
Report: **2:37:01**
